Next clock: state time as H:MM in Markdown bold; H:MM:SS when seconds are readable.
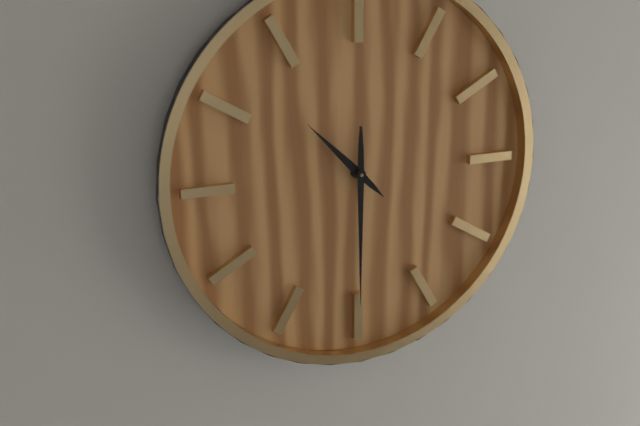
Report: **10:30**
